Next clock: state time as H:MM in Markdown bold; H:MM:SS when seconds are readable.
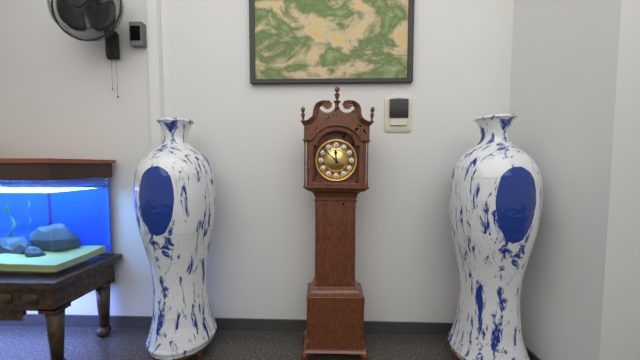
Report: **11:52**
